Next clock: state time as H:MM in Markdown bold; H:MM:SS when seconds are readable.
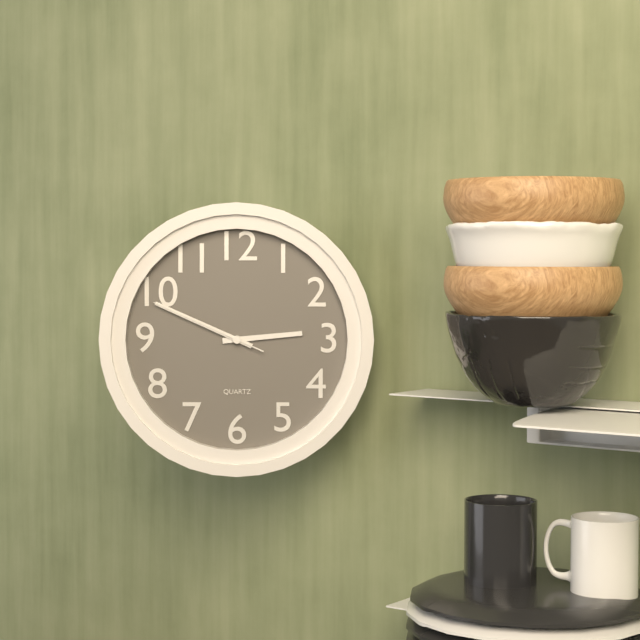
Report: **2:49:49**
